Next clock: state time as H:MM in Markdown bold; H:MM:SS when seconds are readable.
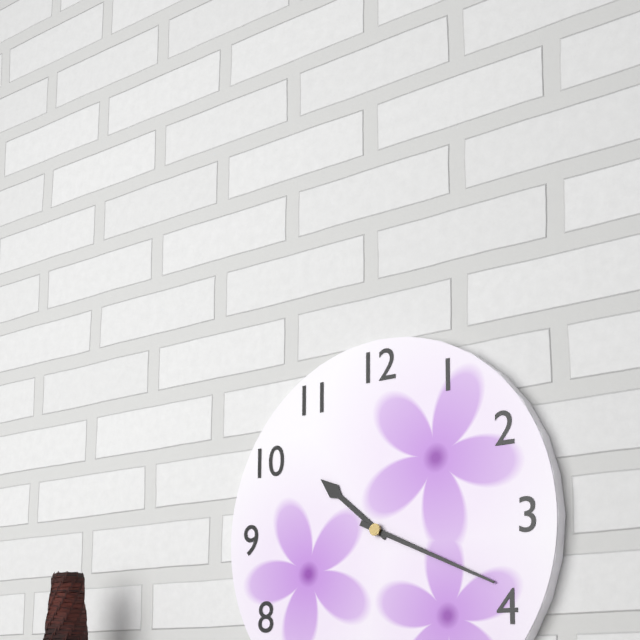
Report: **10:19**
